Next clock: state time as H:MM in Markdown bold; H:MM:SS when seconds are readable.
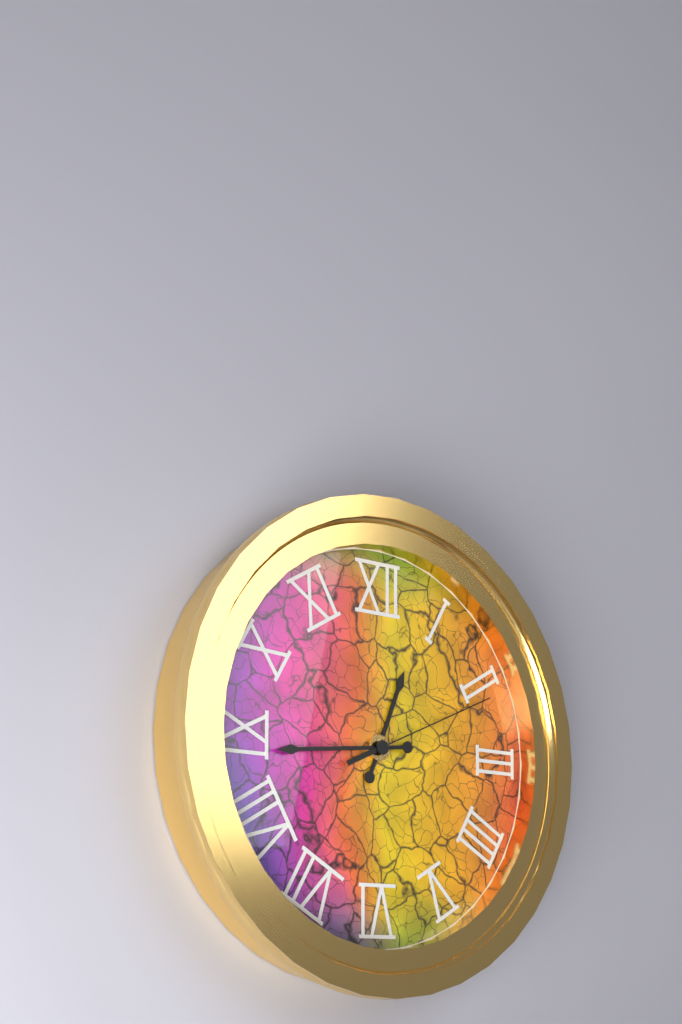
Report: **12:44:11**
